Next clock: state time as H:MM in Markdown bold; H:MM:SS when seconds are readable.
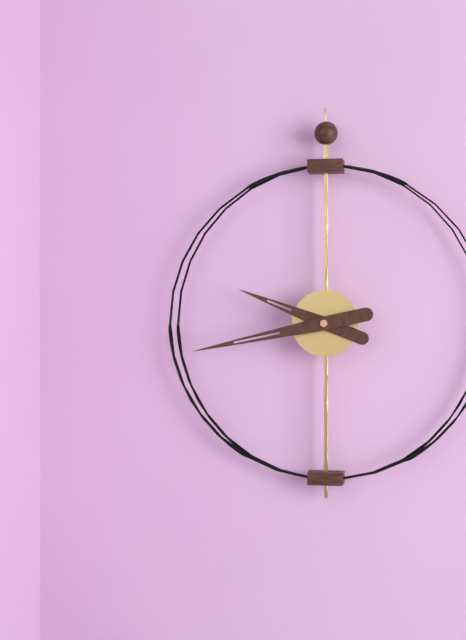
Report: **9:43**
